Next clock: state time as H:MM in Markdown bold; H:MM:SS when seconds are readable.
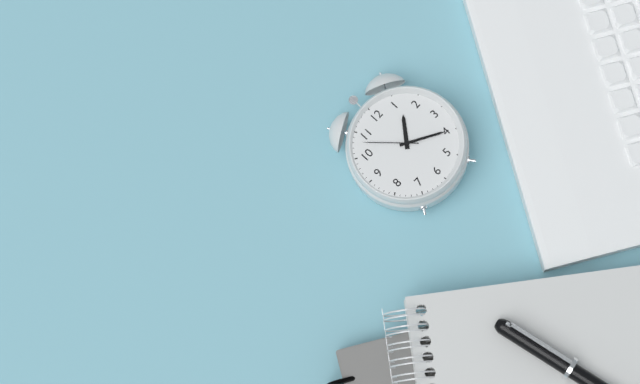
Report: **1:20:53**
